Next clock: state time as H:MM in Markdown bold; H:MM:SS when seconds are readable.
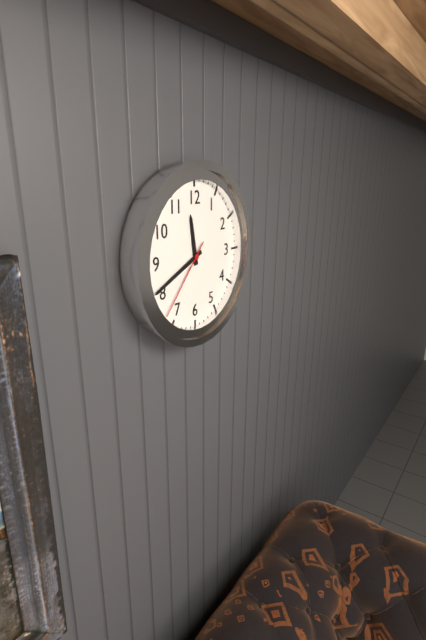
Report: **11:41:37**
